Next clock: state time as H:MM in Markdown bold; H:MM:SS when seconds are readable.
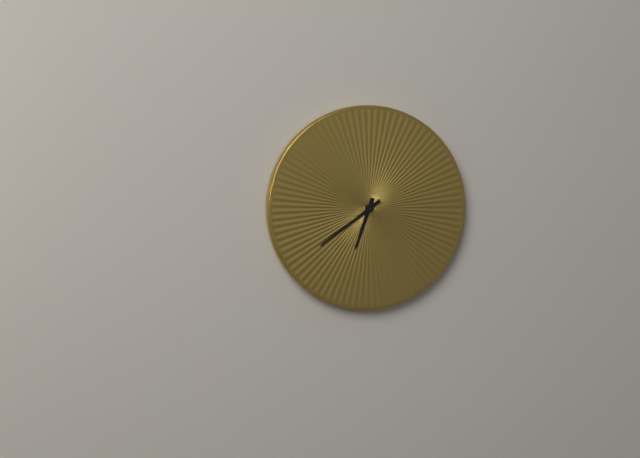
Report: **6:39**
